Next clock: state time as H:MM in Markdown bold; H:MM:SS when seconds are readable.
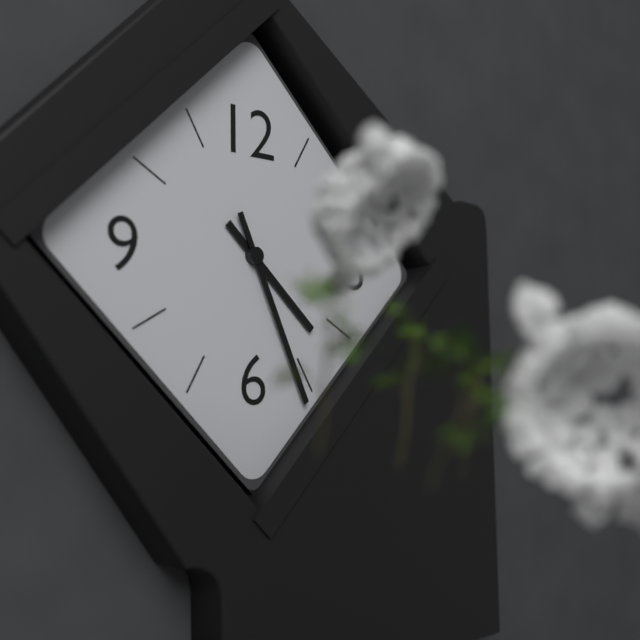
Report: **4:26**
